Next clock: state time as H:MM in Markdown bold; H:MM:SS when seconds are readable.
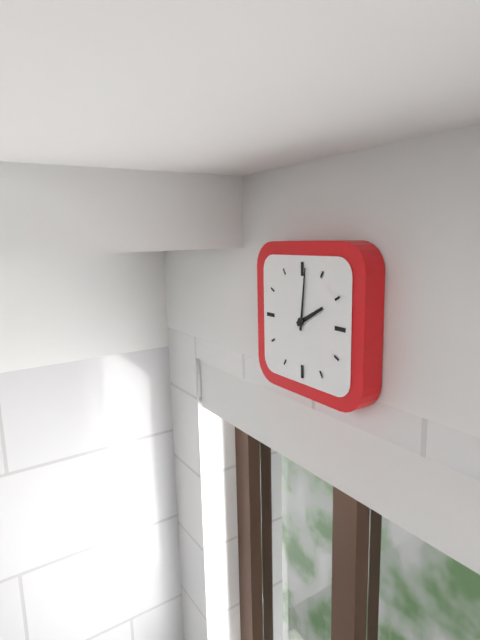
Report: **2:01**
